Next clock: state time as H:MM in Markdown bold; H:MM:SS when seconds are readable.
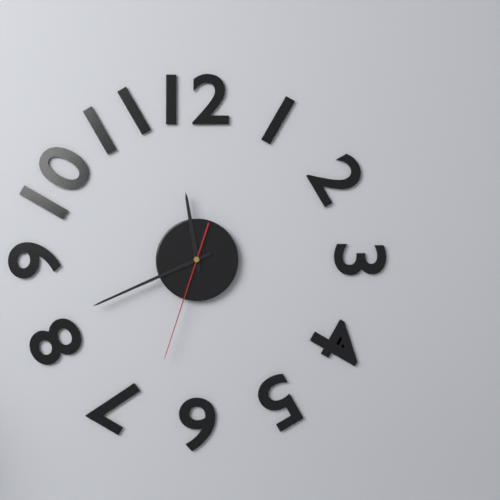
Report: **11:41:33**
